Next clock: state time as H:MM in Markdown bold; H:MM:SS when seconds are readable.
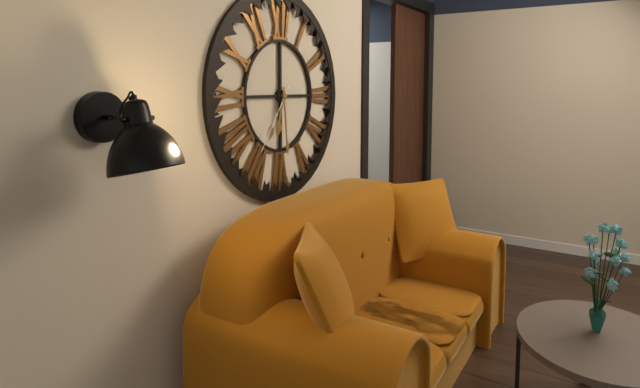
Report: **6:29:36**
